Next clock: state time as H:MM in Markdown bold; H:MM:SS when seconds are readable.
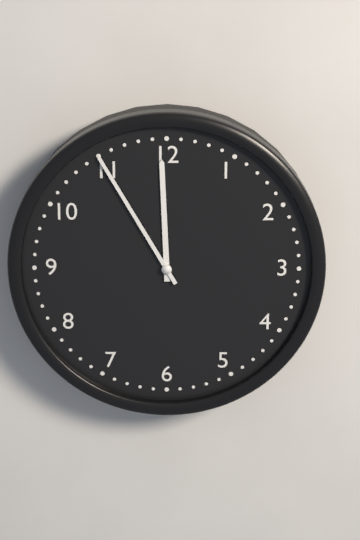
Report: **11:55**
